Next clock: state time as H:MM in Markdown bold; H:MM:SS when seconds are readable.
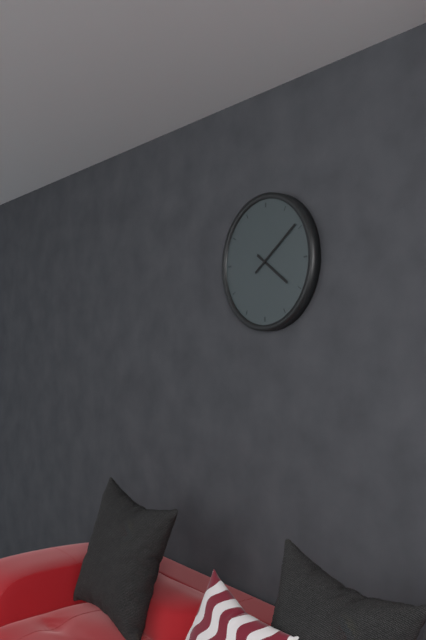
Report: **4:09**
